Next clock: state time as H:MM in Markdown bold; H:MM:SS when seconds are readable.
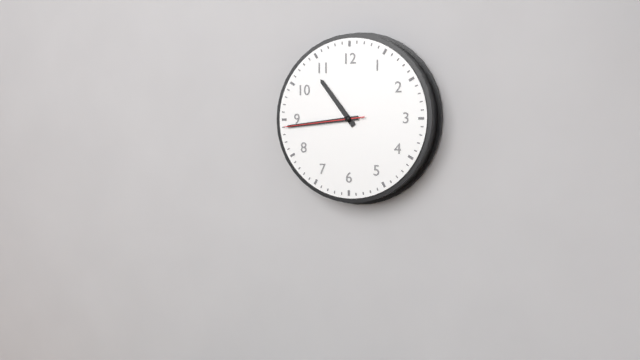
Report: **10:44:44**
